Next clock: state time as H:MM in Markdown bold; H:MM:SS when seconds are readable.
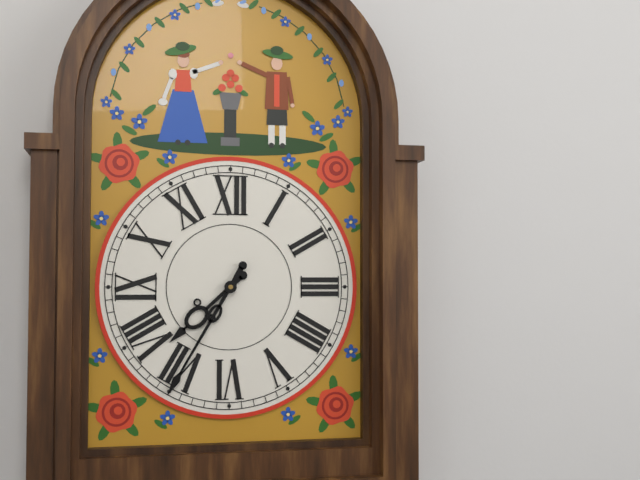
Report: **7:35**
